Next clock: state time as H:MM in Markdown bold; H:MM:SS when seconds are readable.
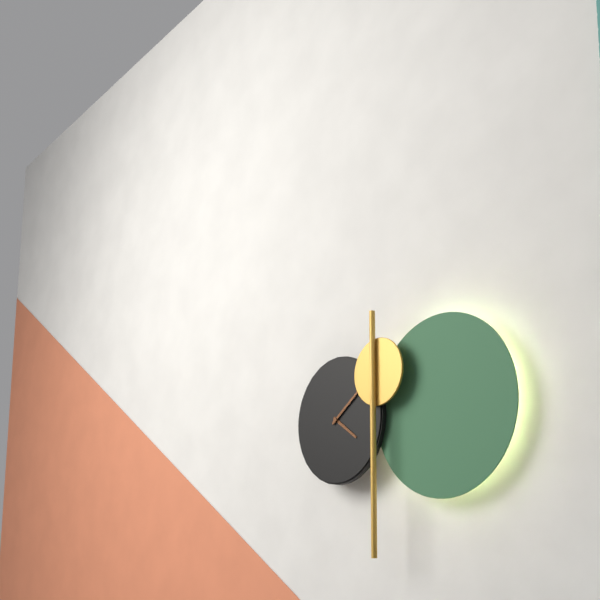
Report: **4:09**
